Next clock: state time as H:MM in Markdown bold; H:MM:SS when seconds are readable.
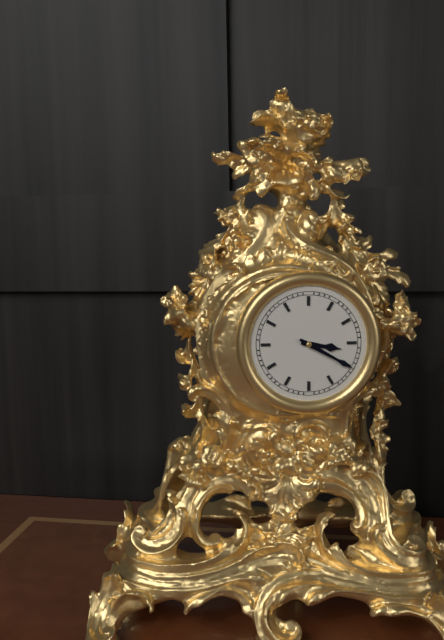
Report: **3:20**
